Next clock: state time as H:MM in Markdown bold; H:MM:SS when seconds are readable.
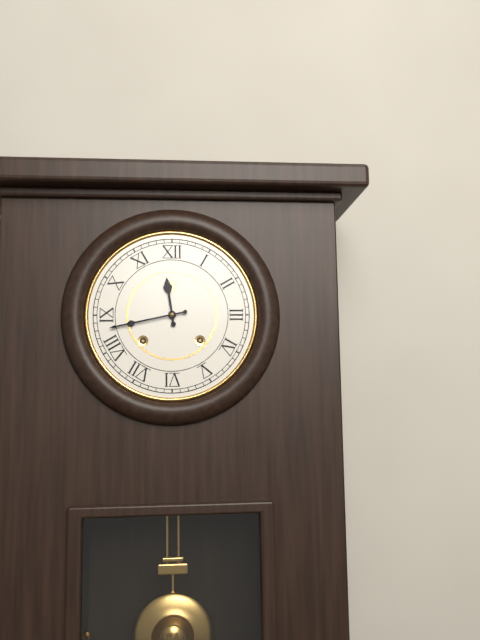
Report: **11:43**
